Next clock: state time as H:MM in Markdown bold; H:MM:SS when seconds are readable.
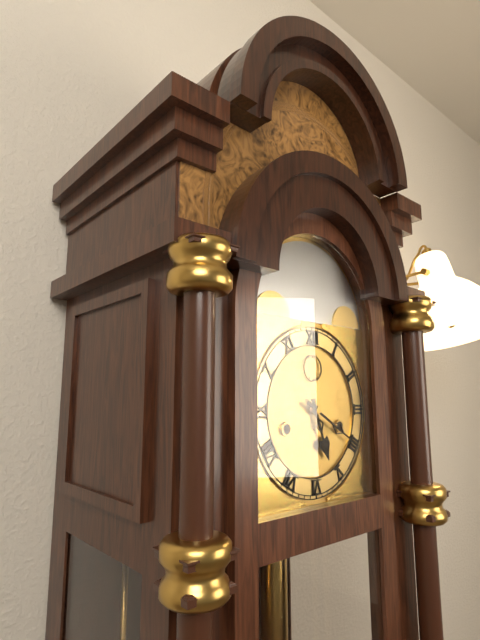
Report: **5:20**
